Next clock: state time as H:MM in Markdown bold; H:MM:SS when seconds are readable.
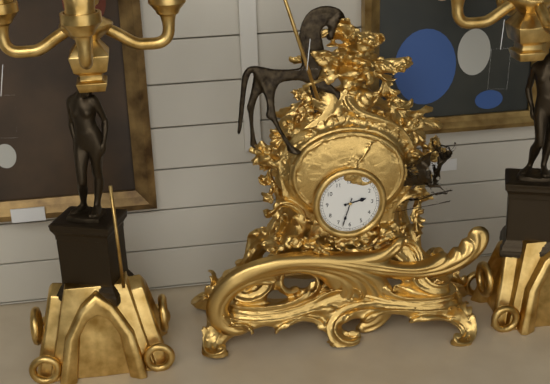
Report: **2:33**
